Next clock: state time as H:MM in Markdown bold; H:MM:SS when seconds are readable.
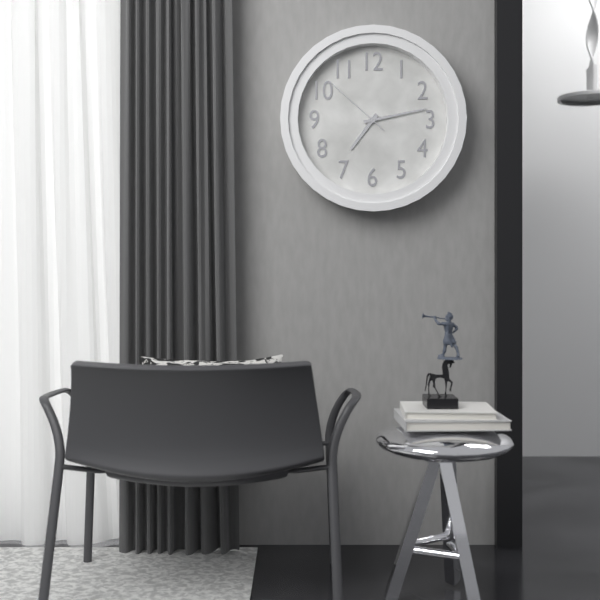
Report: **7:13:52**
